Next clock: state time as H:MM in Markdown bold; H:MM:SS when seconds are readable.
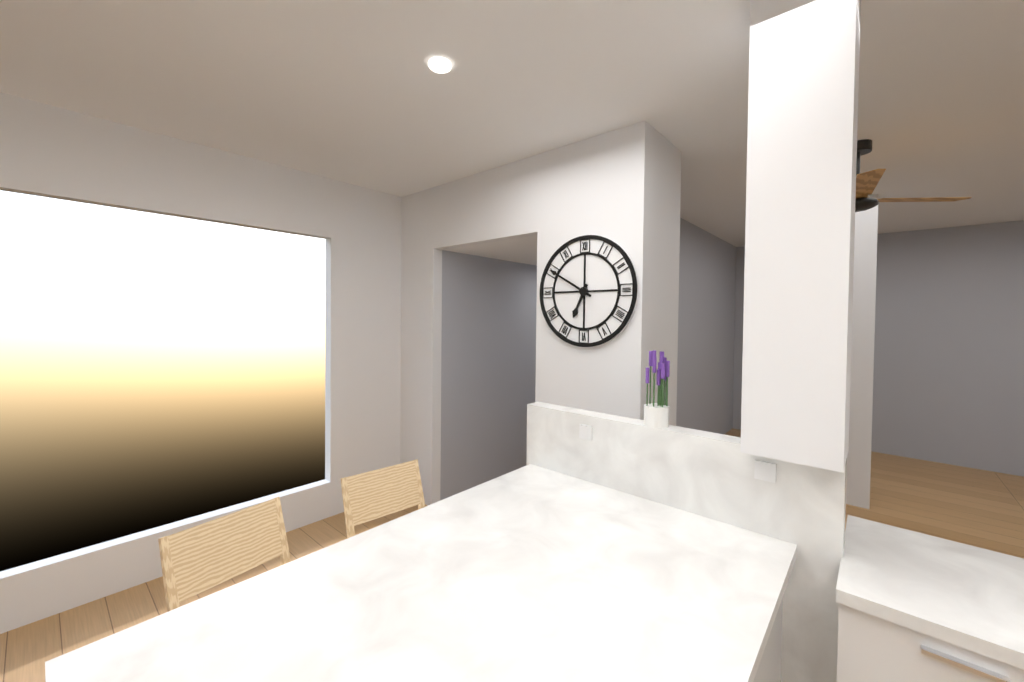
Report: **6:50**
